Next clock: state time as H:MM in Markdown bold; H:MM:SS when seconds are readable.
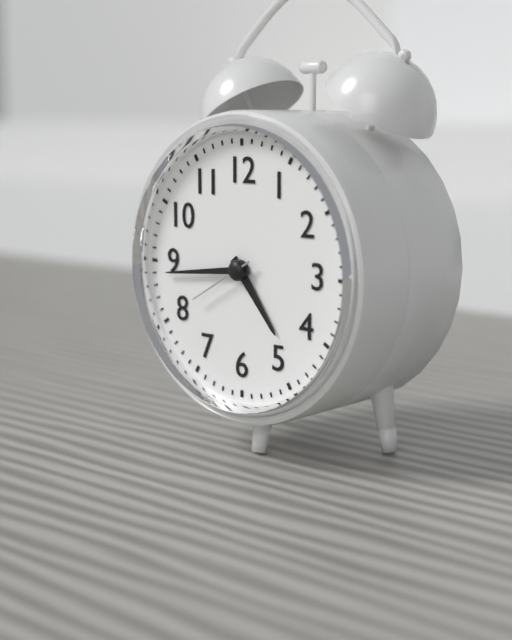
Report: **4:44:40**
